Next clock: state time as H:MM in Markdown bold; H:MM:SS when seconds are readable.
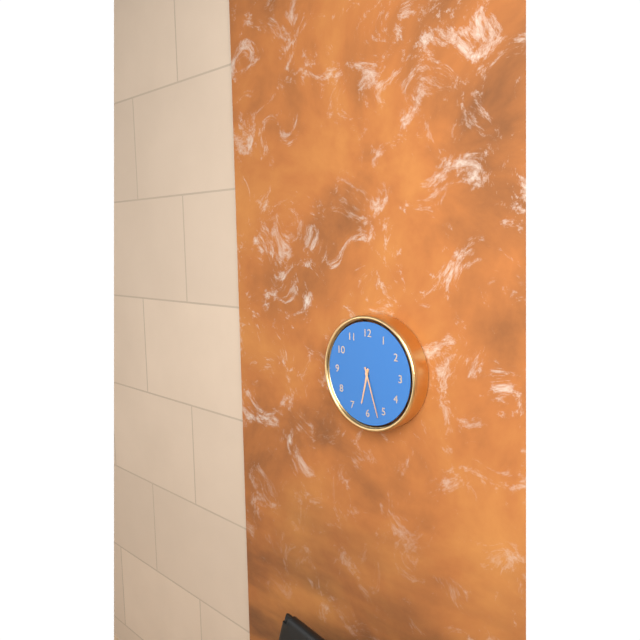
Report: **6:27**
